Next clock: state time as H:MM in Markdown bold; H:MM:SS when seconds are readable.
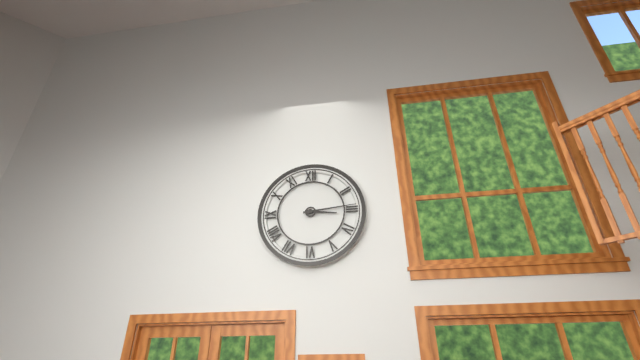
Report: **3:14**
